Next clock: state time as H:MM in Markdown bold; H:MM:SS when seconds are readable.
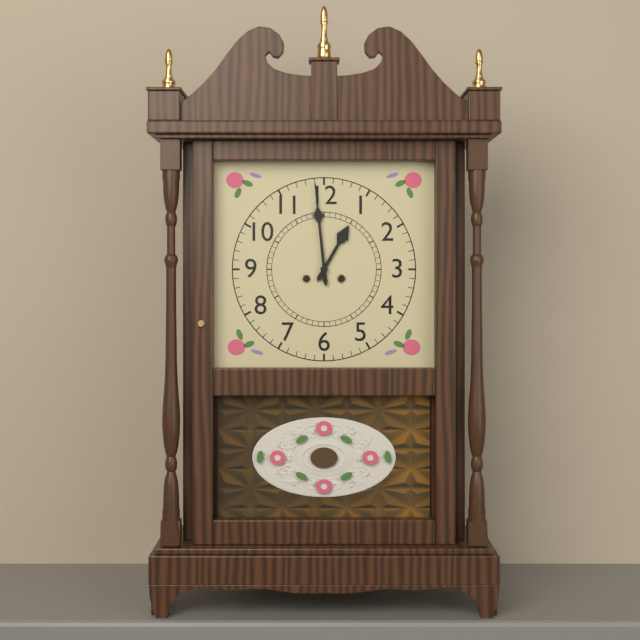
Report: **12:59**
